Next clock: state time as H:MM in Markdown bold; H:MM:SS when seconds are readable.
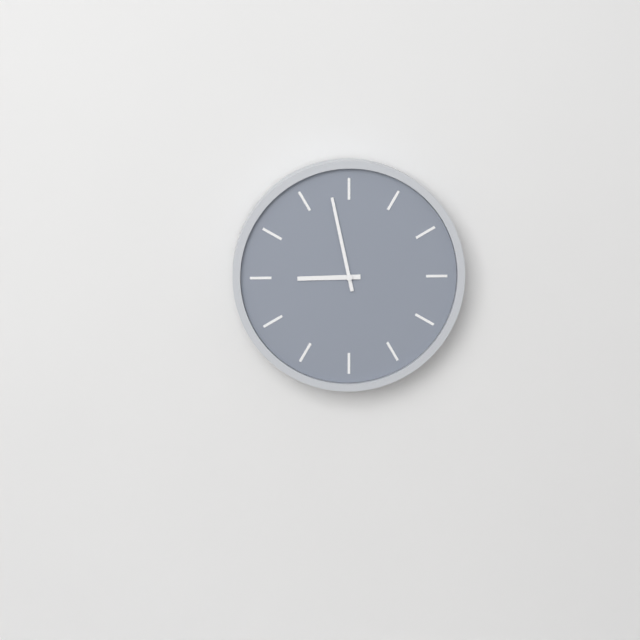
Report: **8:58**
